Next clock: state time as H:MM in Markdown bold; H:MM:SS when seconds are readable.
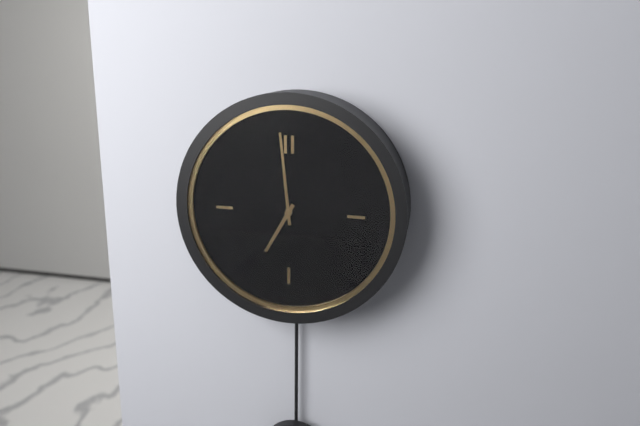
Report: **6:59**
